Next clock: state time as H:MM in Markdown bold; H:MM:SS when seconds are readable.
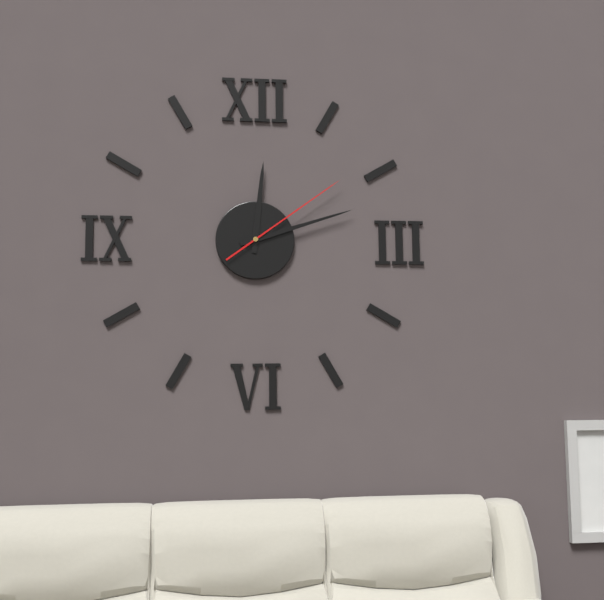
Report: **12:12:09**
